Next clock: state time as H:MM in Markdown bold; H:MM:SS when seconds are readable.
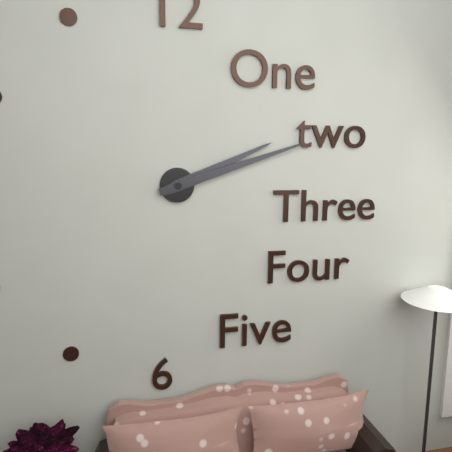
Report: **2:12**
